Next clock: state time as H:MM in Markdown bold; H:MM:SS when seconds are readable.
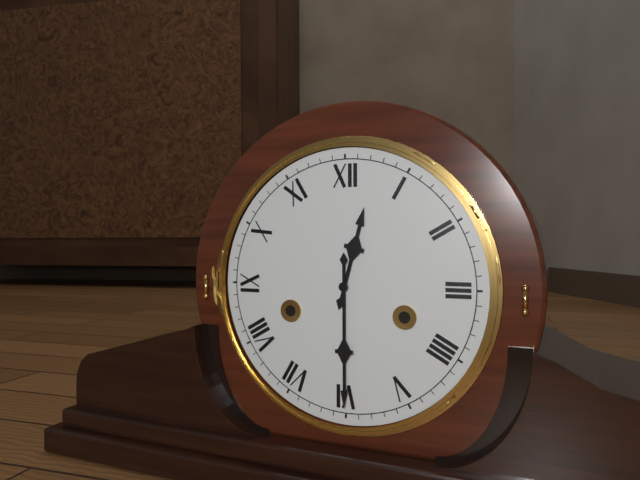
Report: **12:30**
